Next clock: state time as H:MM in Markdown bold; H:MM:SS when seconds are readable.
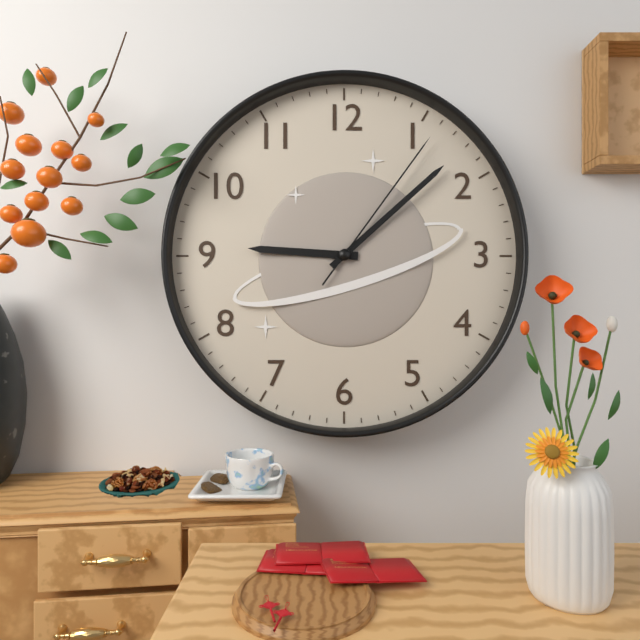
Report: **9:08:06**
